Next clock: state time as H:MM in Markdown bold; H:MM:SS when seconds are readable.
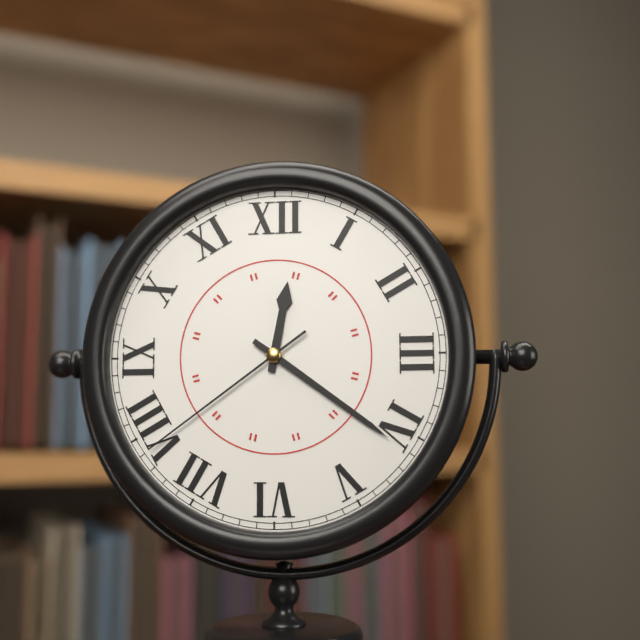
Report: **12:21:39**
